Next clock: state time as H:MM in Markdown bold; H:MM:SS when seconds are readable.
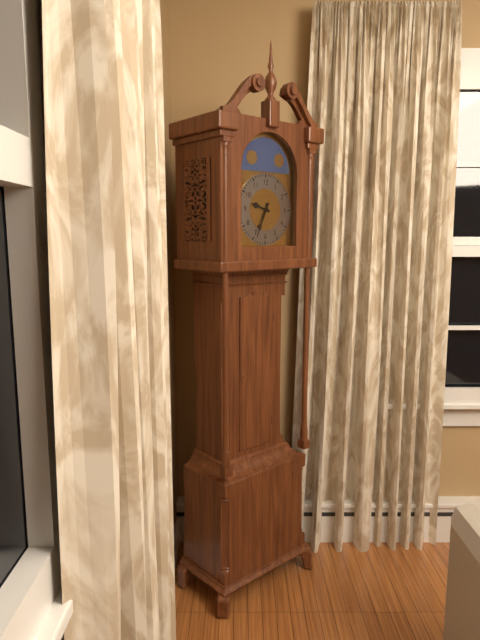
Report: **9:34**
